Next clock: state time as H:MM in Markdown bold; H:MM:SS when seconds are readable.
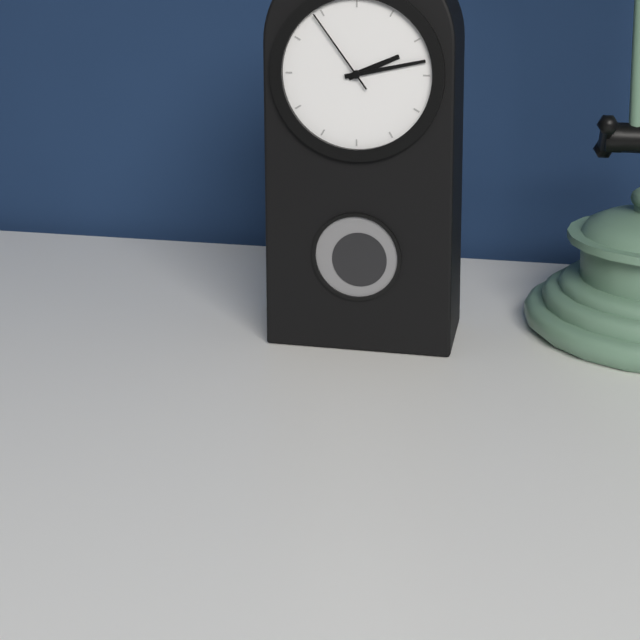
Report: **2:13:54**
